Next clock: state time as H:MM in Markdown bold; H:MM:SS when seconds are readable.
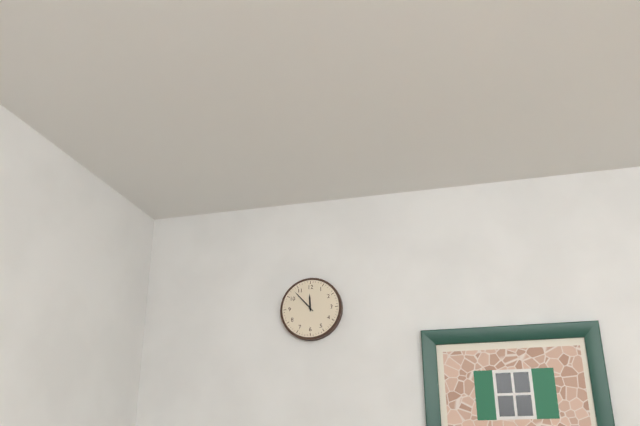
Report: **11:53**
